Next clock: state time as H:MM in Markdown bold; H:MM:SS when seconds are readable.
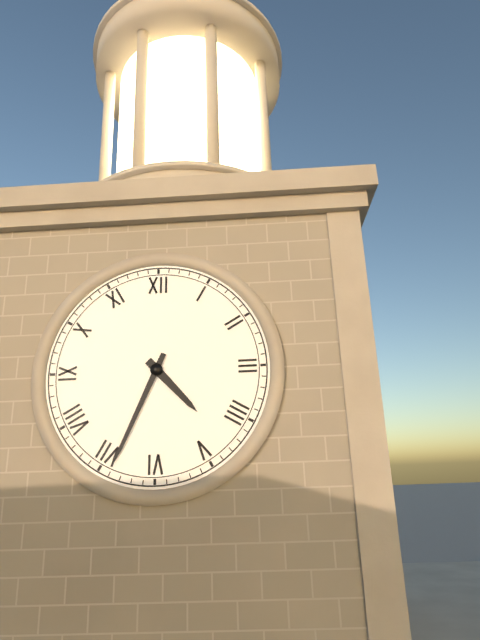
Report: **4:34**
